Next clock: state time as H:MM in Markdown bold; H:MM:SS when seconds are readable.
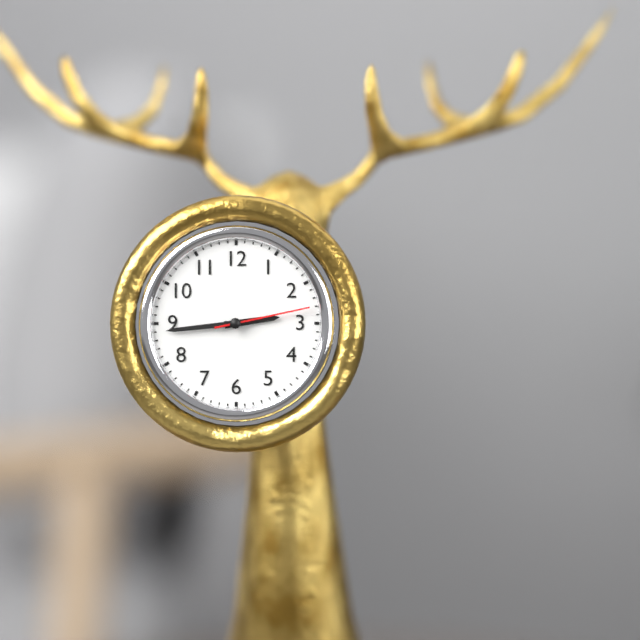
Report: **2:44:13**
